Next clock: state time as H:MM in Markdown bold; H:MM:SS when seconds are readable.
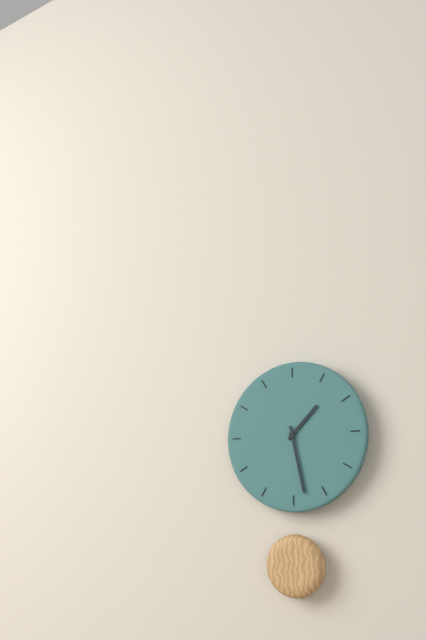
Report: **1:28**
